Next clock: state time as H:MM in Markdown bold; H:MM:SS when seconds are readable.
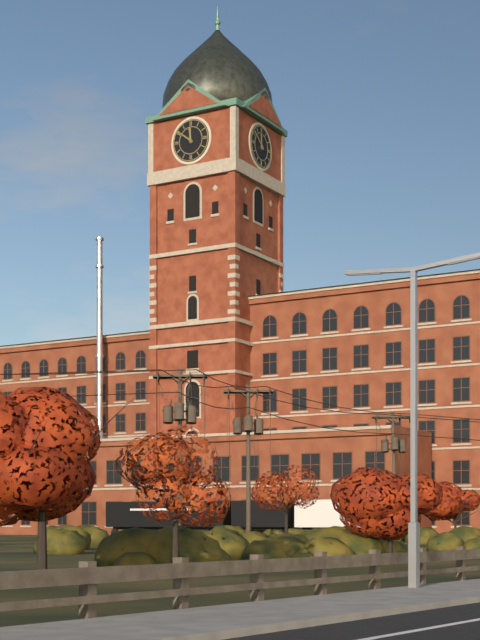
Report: **11:51**
